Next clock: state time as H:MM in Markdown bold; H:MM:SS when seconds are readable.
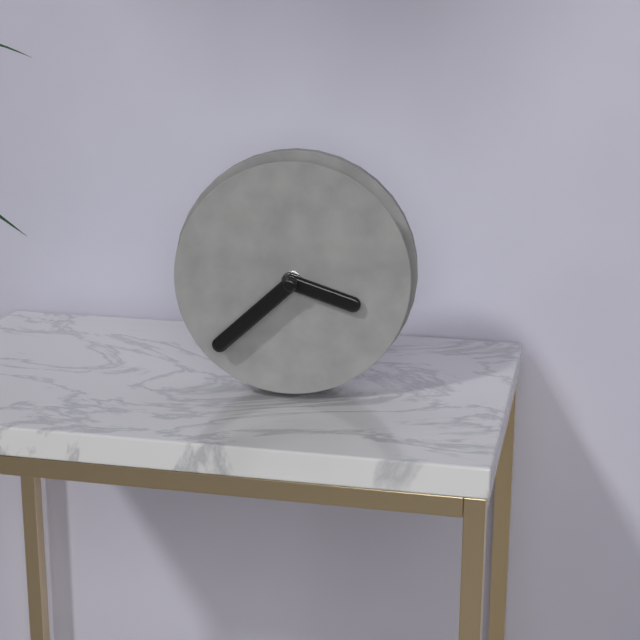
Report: **3:38**
